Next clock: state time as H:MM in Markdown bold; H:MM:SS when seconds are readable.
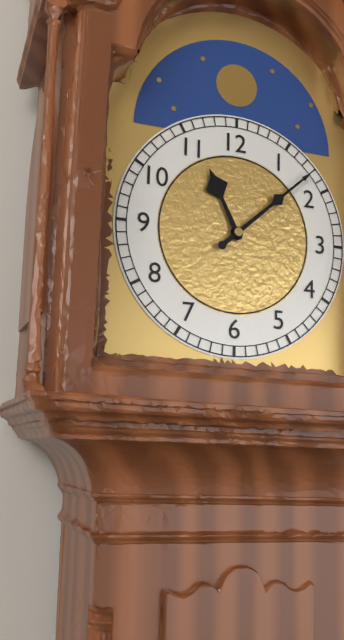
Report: **11:08**
